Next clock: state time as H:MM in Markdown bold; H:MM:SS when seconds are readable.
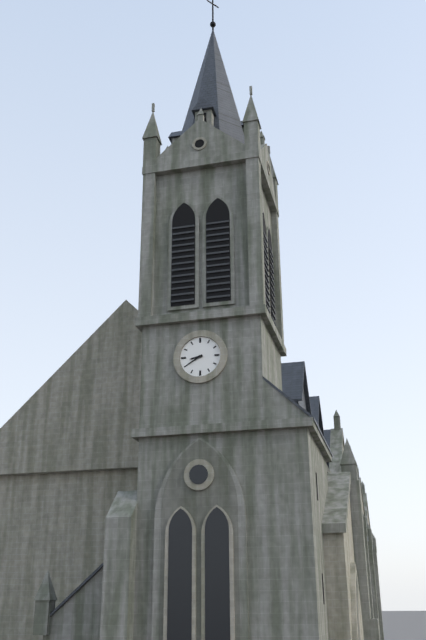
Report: **8:40**
